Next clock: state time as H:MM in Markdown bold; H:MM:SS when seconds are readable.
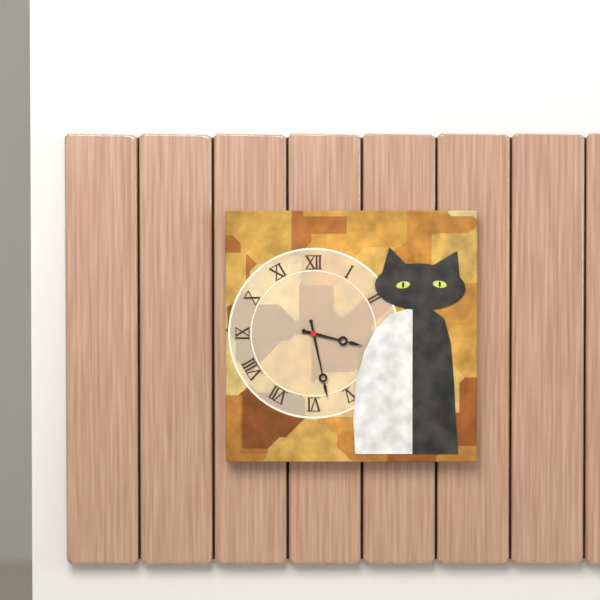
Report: **3:28**
